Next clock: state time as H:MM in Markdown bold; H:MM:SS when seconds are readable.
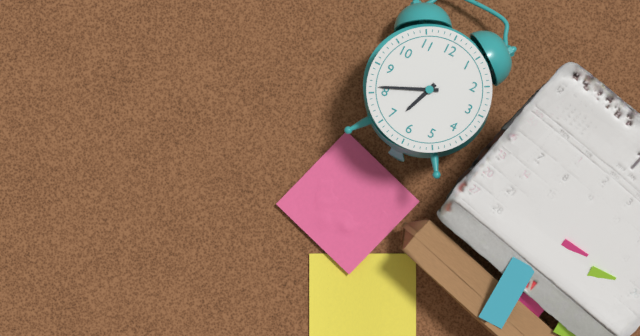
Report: **6:41**
